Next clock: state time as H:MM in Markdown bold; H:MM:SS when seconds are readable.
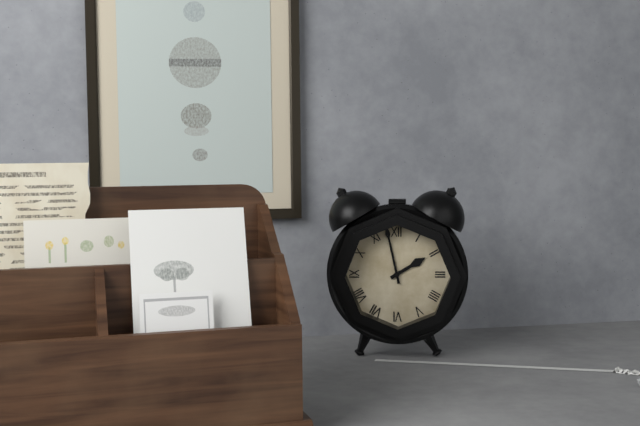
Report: **1:58**
